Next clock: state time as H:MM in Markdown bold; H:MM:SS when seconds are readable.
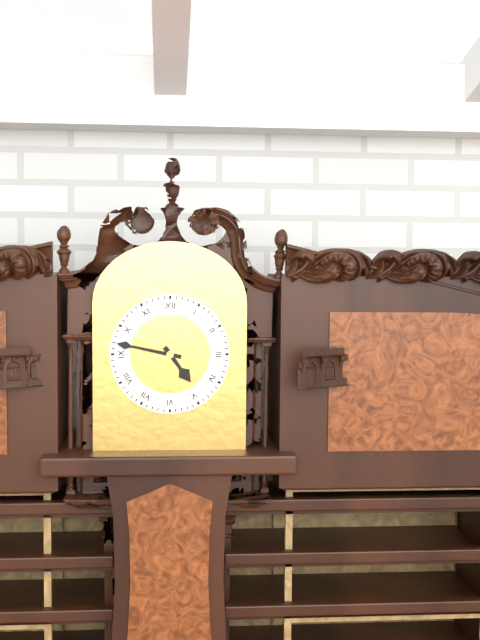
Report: **4:47**
